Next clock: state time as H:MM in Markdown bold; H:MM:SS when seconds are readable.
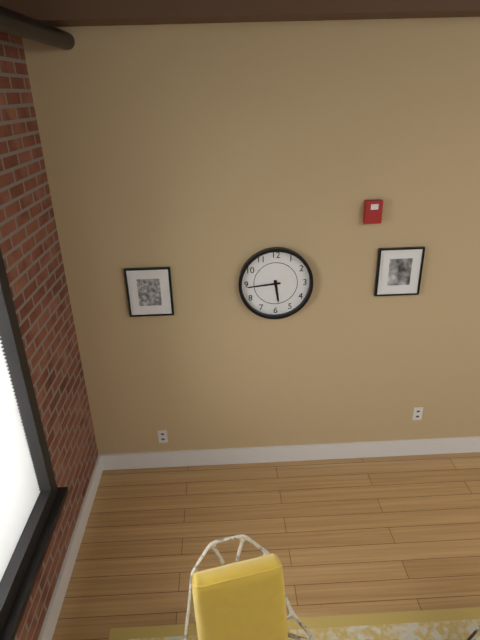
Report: **5:44**
